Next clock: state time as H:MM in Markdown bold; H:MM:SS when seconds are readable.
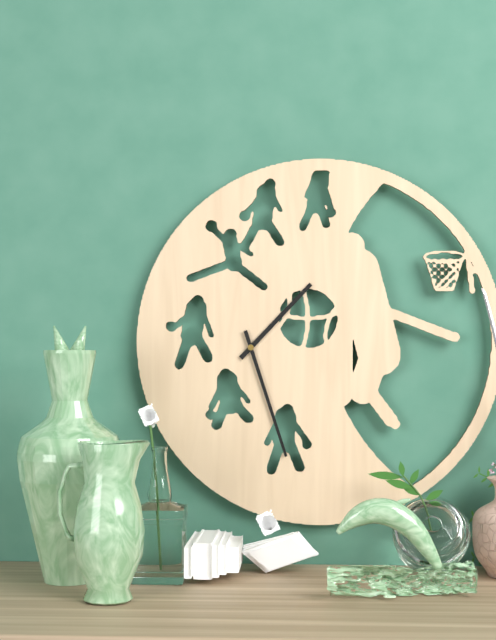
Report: **1:27**
